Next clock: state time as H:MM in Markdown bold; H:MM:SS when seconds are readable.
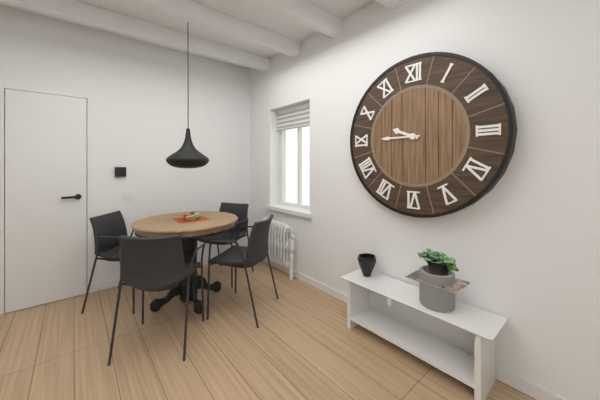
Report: **9:45**
